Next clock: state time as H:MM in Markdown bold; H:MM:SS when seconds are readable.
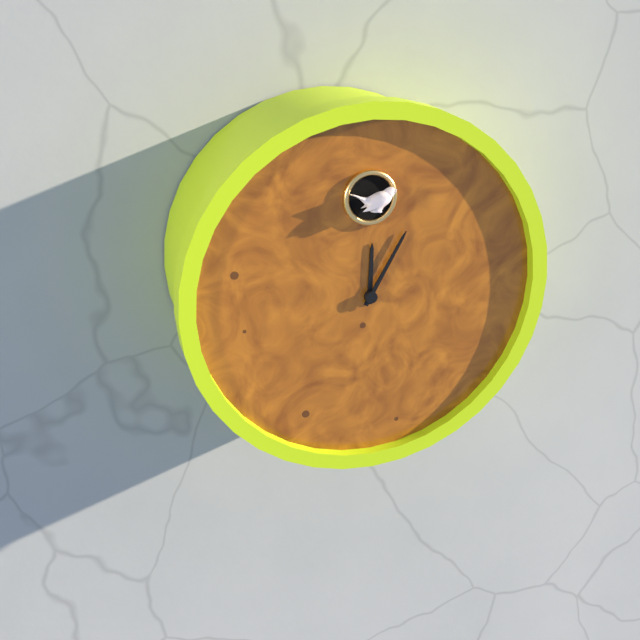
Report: **12:05**
